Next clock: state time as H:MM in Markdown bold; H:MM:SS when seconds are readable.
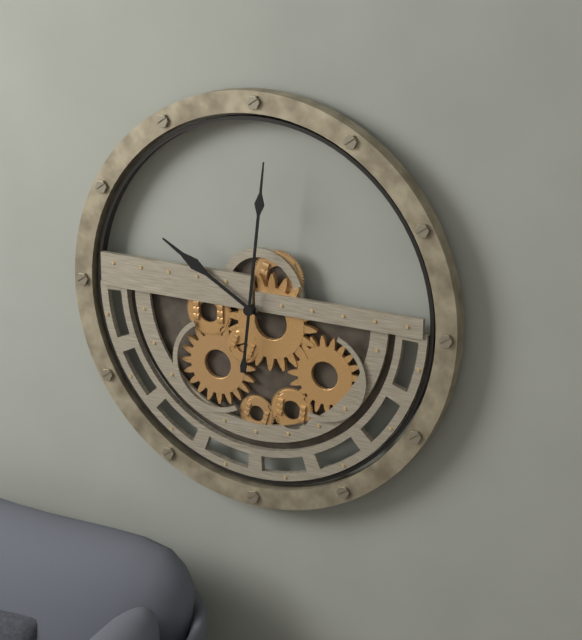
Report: **10:01**
